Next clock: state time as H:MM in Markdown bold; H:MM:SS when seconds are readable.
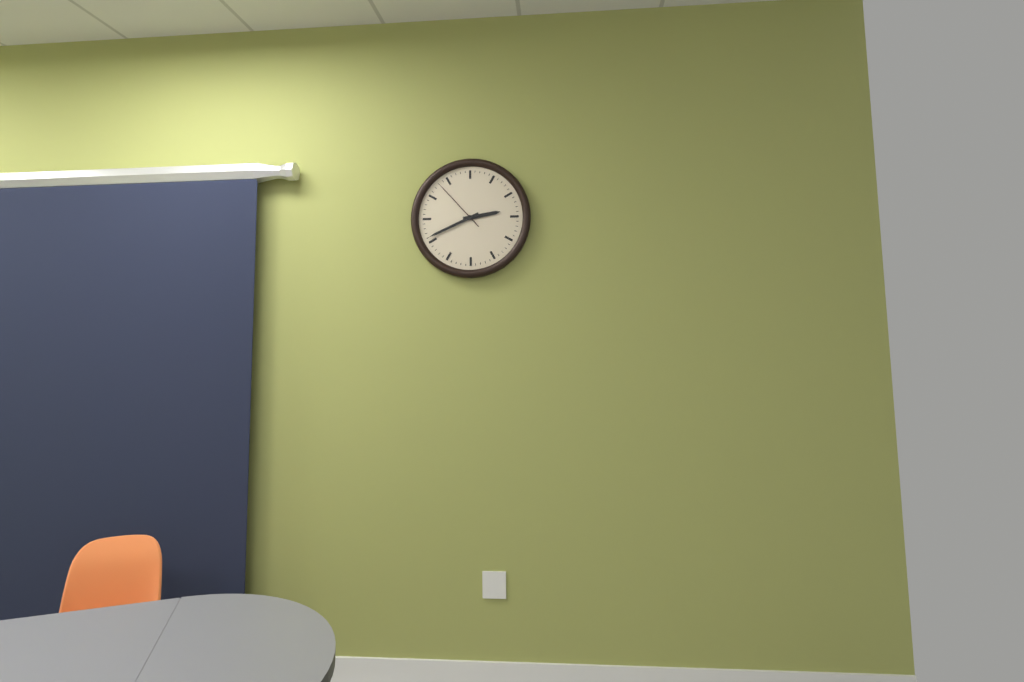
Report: **2:41:53**
